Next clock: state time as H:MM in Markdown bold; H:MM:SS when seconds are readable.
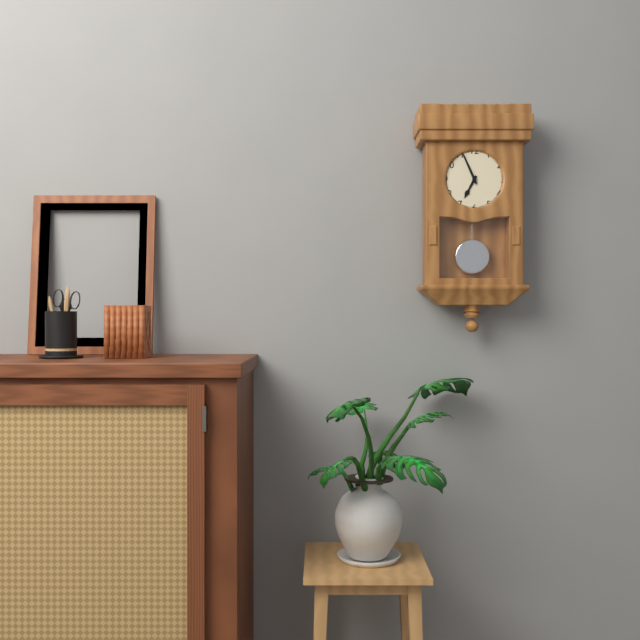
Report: **6:56**
